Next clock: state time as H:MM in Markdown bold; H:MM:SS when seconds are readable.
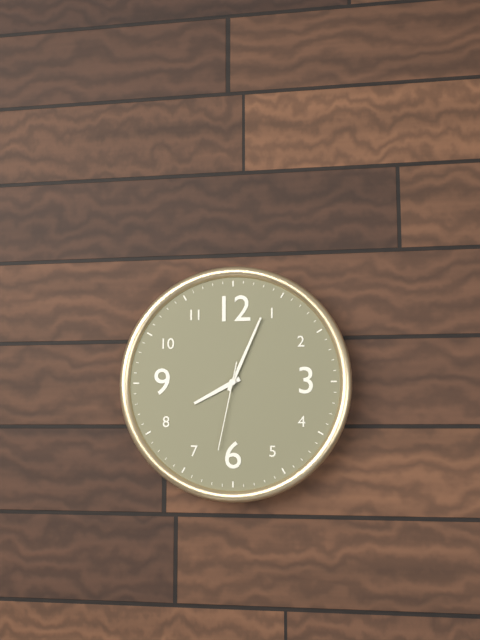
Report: **8:04:32**
